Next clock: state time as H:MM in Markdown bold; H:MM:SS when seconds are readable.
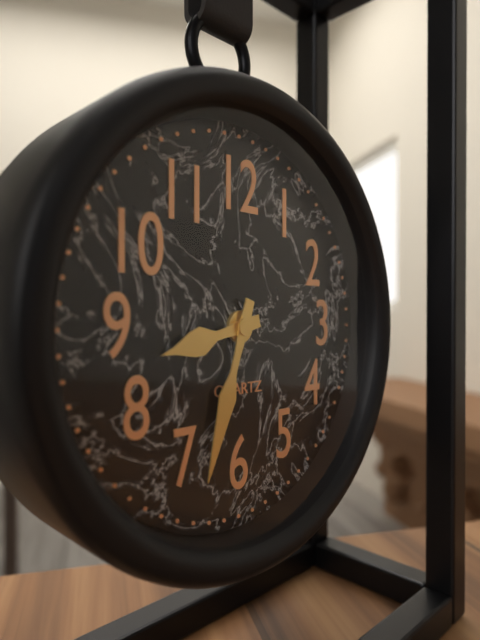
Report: **8:33**
